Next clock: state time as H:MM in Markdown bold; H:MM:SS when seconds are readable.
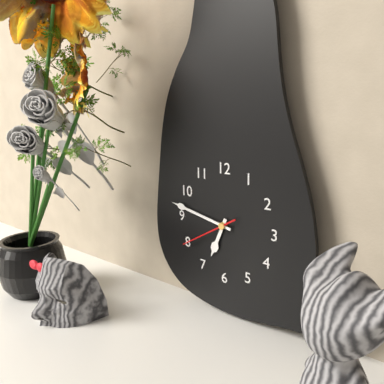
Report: **6:47:40**
